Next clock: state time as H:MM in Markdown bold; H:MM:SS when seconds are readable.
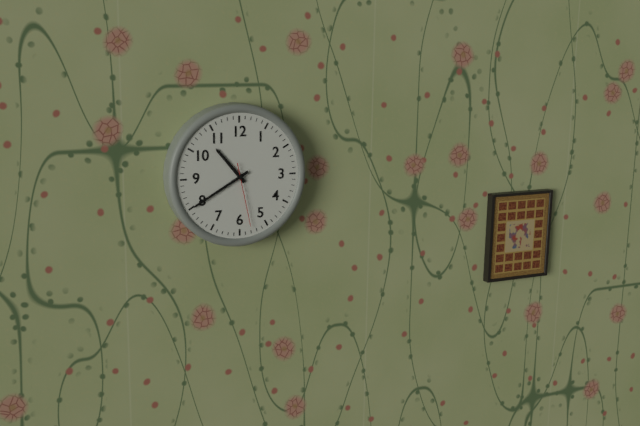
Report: **10:40:28**
